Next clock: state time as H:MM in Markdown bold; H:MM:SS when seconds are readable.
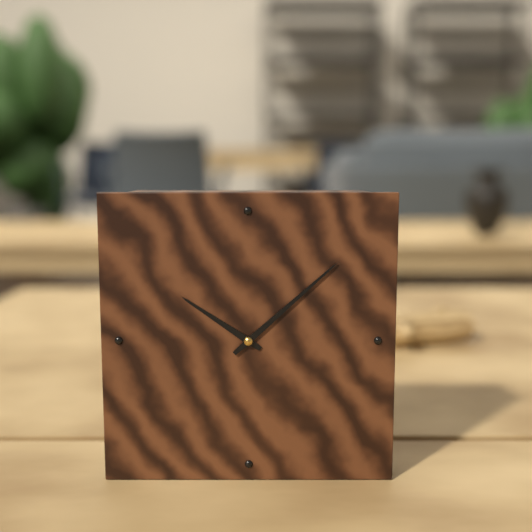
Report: **10:08**
